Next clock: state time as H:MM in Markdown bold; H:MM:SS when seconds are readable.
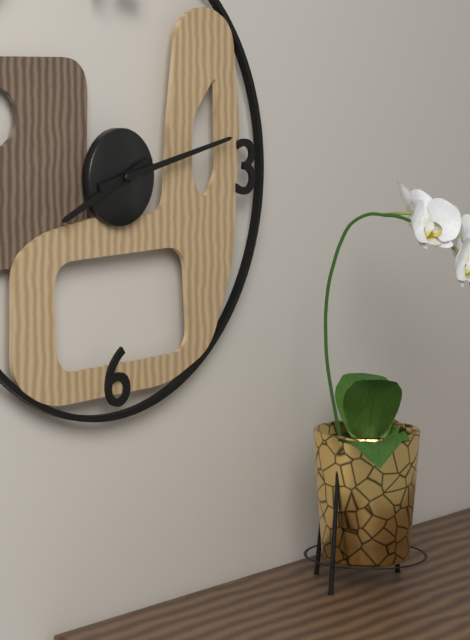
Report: **8:13**
